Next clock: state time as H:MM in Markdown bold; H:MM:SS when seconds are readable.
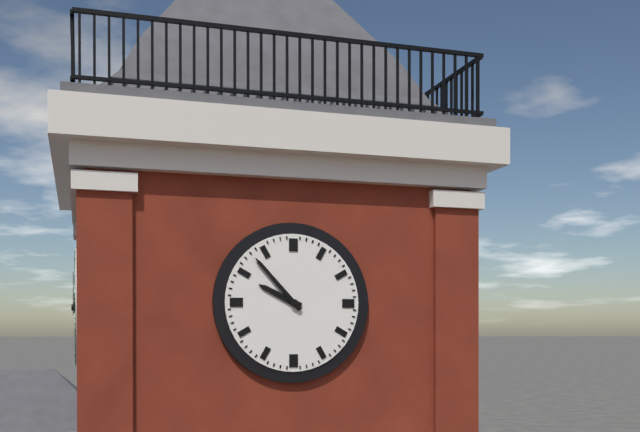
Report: **9:53**
